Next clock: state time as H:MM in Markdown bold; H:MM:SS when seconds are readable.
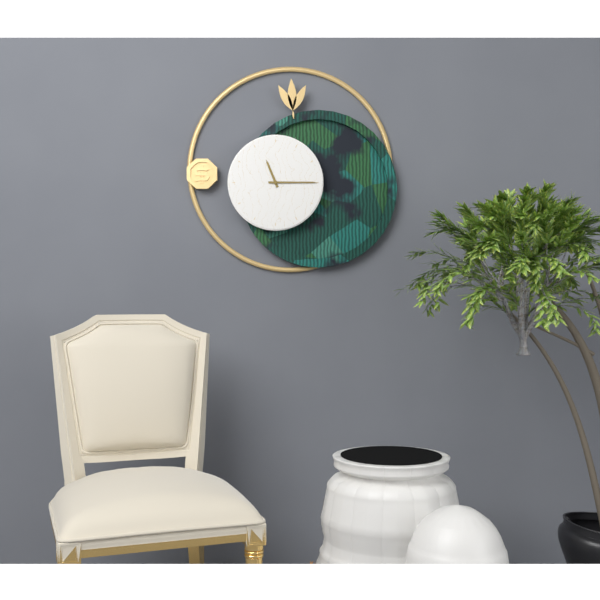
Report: **11:15**
